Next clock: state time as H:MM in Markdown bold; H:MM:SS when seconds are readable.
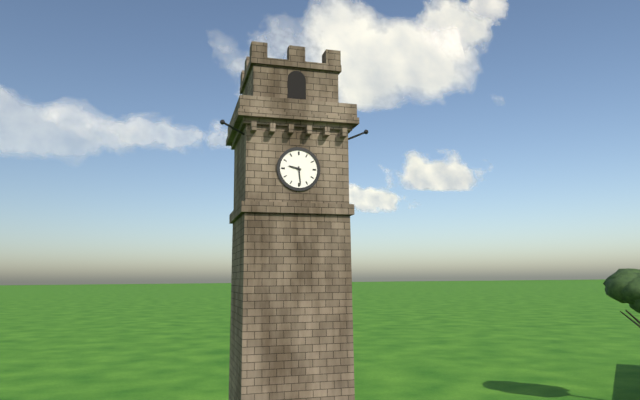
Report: **9:29**
